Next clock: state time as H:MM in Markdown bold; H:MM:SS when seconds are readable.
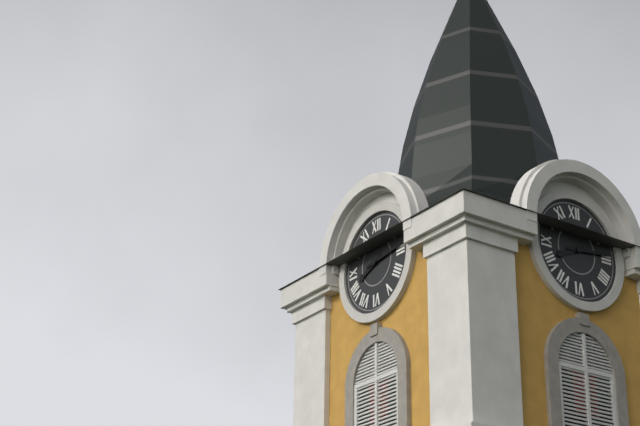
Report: **8:14**
